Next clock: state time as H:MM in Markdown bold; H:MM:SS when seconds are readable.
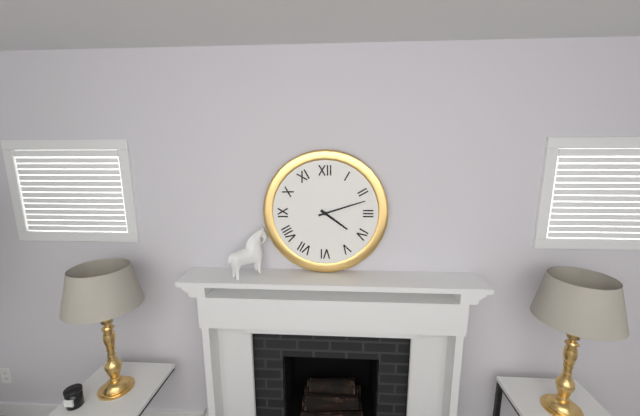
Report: **4:12**
